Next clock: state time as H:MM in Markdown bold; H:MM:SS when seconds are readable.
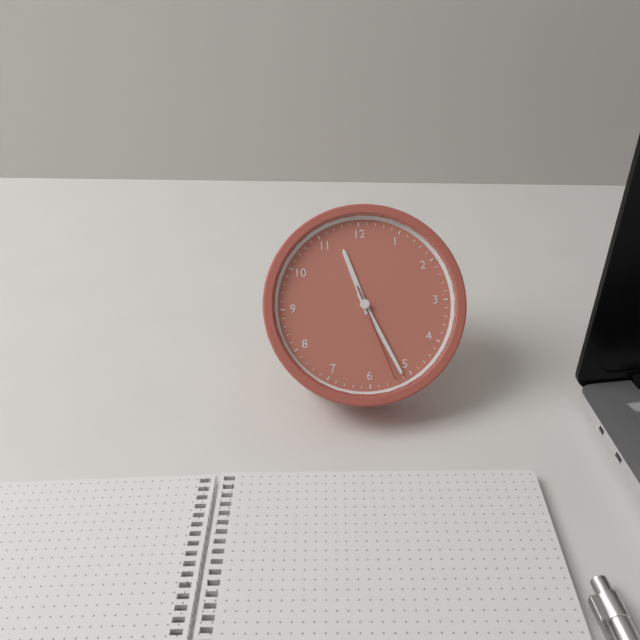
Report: **11:26:27**
